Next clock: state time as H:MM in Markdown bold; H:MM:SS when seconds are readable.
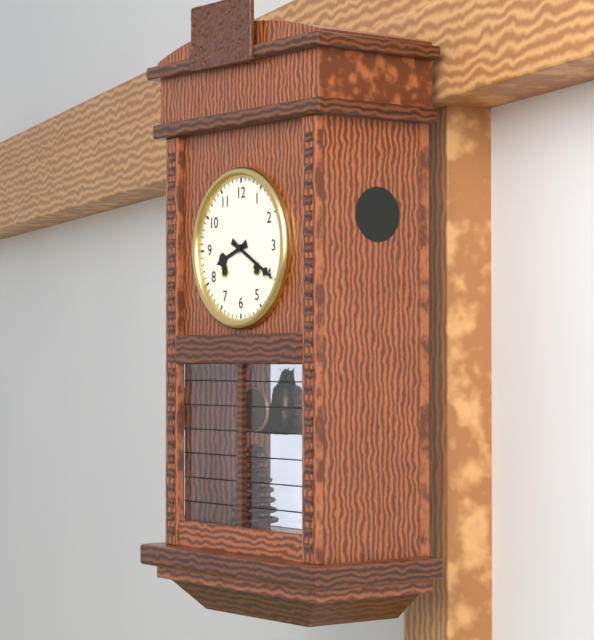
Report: **8:20**
